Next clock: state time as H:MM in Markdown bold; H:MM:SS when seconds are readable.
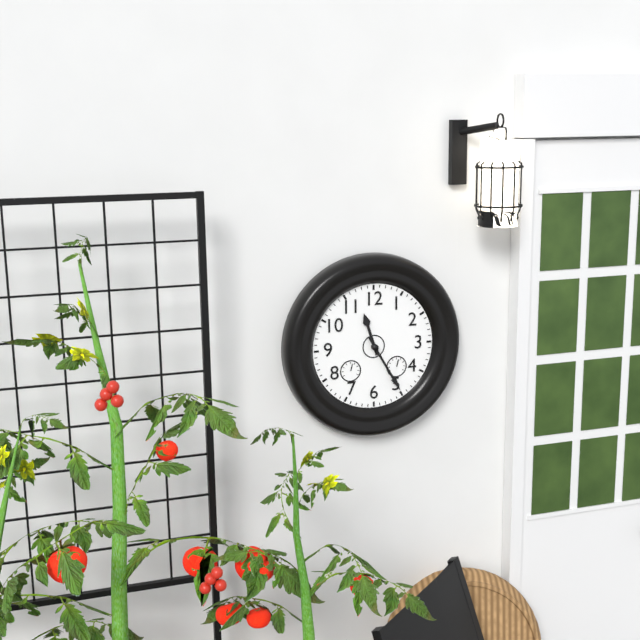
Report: **11:25**
